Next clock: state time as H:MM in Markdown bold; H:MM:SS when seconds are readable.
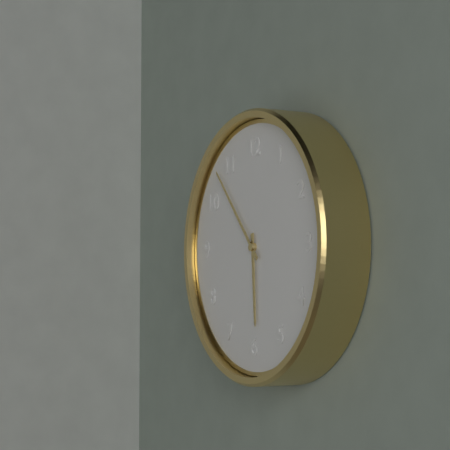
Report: **5:53**
